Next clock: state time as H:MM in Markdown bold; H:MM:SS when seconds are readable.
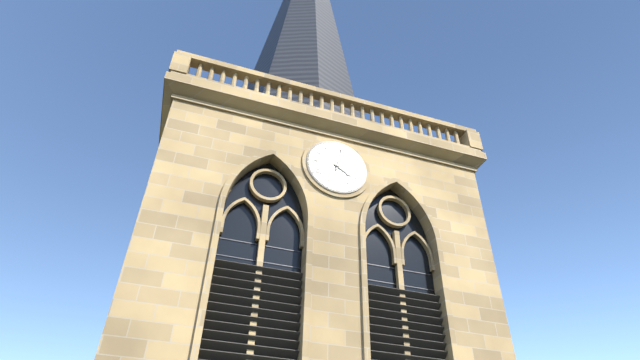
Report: **4:02**
